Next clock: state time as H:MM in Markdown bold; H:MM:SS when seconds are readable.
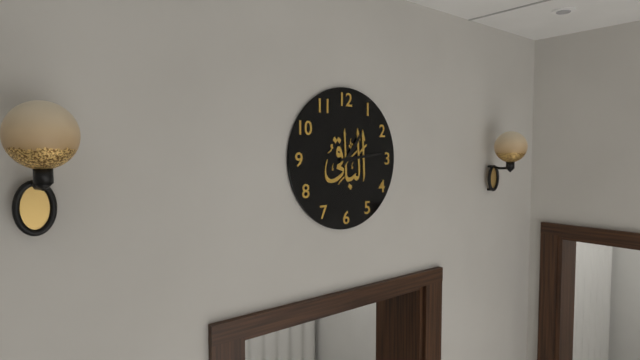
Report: **1:14**
